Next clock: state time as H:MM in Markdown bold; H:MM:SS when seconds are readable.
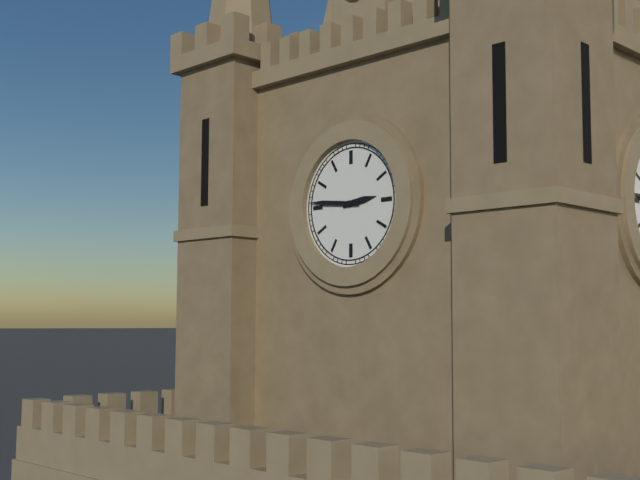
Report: **2:46**
